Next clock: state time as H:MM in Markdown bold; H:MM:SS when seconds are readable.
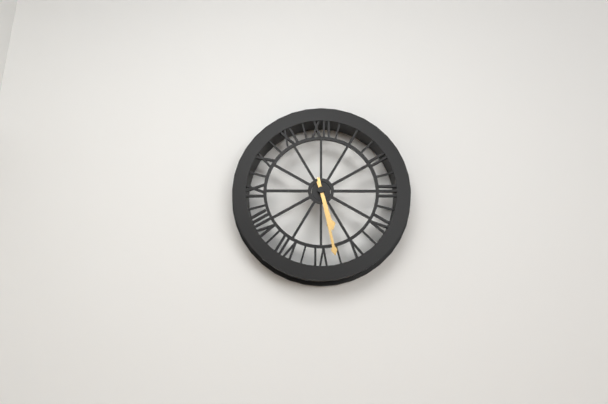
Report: **5:28**
